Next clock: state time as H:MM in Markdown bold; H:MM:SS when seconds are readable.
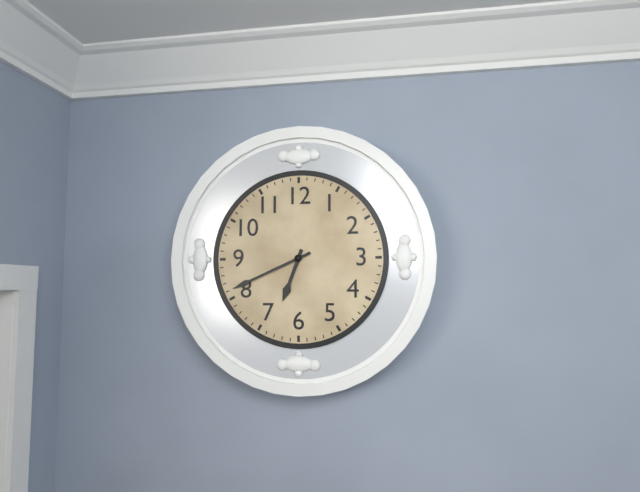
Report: **6:41**
